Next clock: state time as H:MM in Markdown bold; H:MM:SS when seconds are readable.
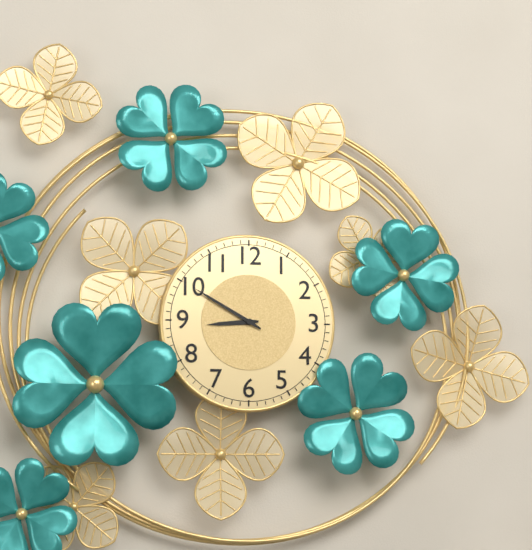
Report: **8:50**
